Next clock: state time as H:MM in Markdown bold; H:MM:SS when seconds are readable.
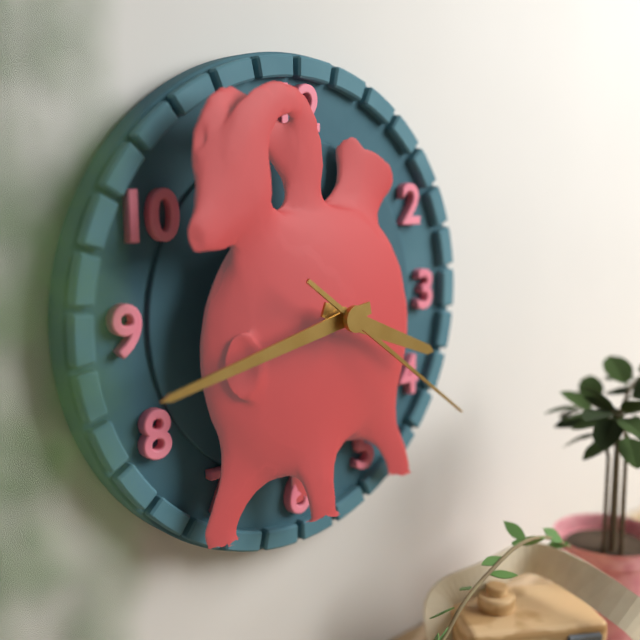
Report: **3:43:21**
